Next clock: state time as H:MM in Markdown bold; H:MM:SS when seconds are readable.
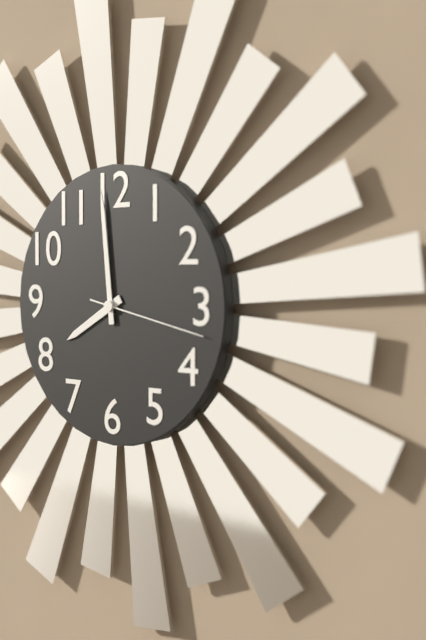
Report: **7:59:17**
